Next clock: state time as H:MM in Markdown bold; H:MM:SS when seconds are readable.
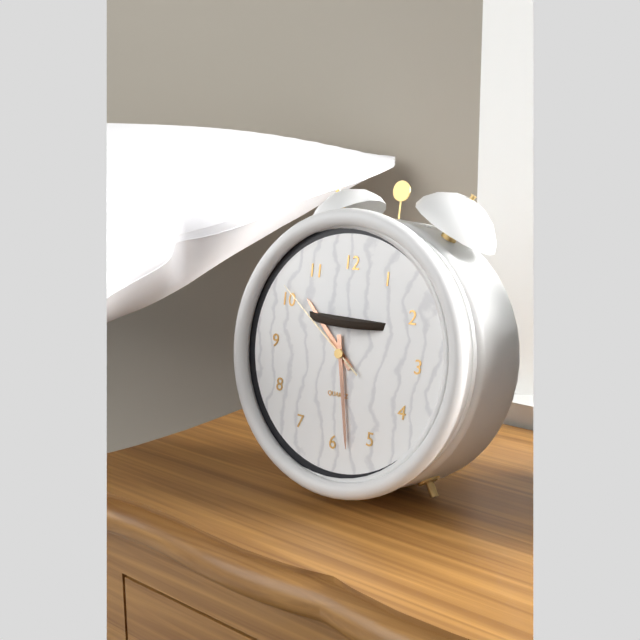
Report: **10:28:51**
